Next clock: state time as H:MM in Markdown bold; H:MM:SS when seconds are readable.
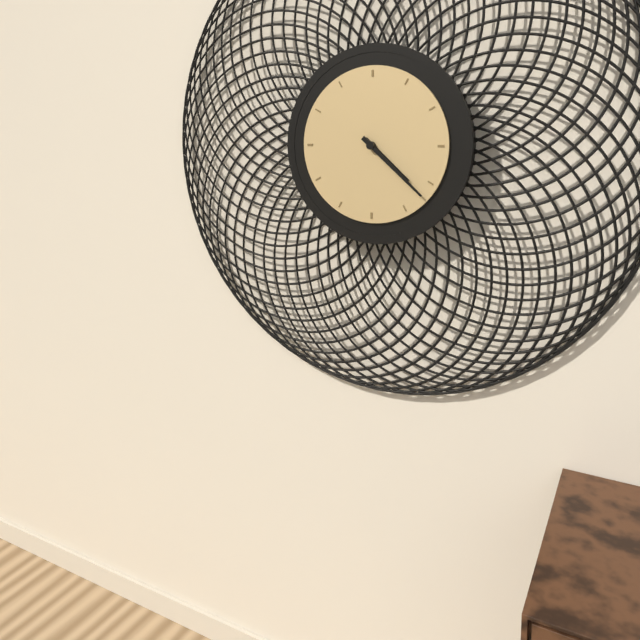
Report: **4:22**
